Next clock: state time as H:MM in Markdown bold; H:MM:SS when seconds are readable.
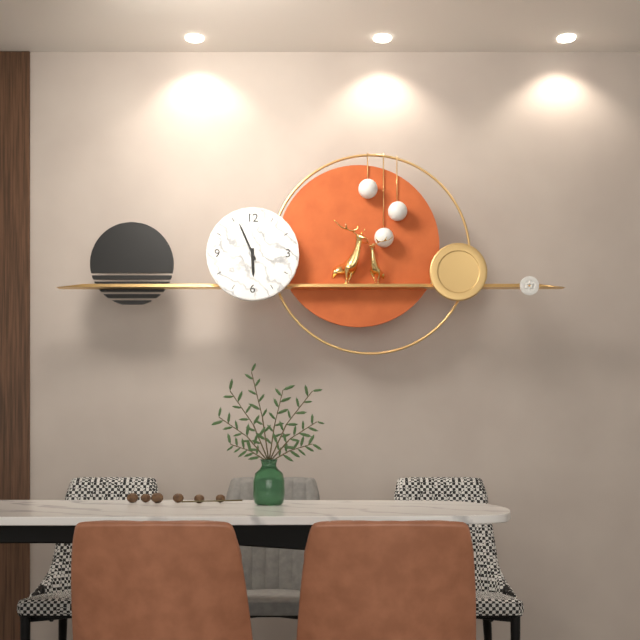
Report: **5:56**
